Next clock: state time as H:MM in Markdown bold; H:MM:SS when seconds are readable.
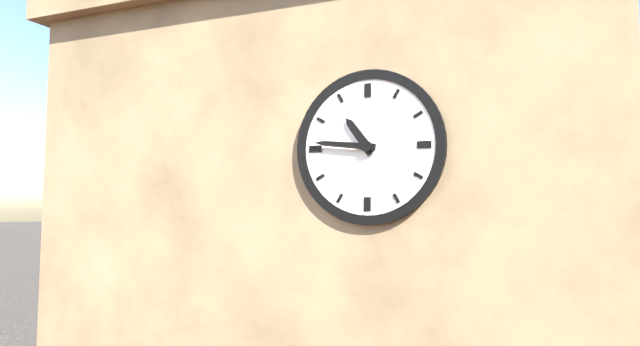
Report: **10:46**
